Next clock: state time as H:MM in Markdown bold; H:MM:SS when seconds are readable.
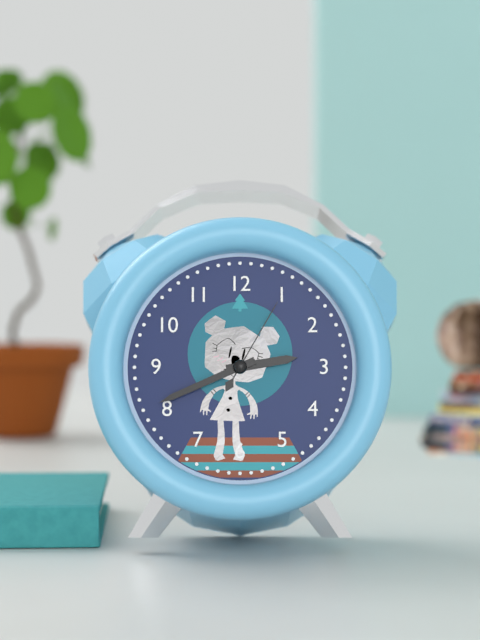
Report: **2:41:05**
